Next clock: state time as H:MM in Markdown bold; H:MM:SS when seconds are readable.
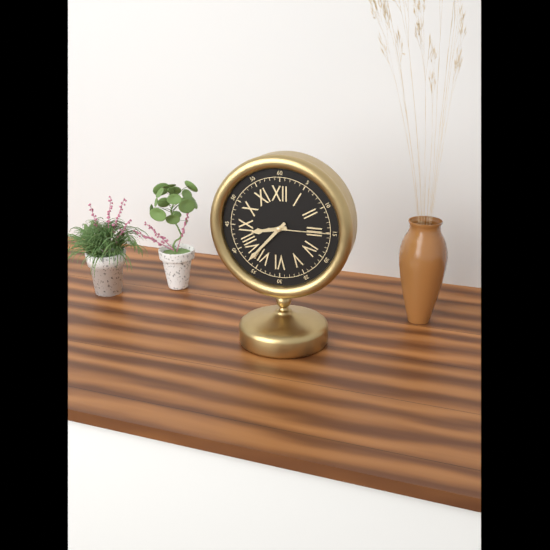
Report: **8:37:15**
